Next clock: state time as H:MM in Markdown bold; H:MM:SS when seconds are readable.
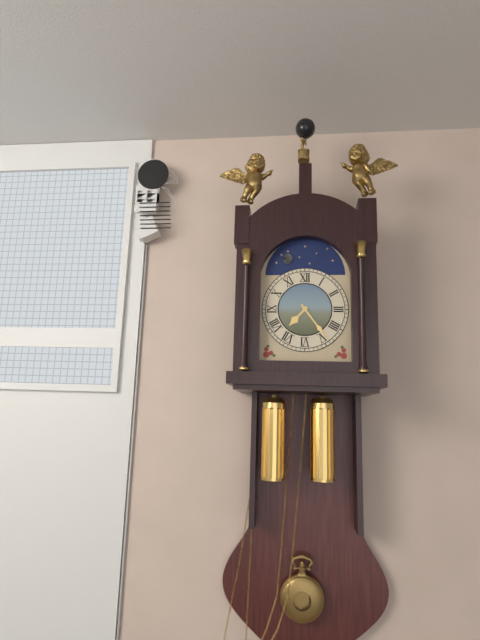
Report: **7:24**
